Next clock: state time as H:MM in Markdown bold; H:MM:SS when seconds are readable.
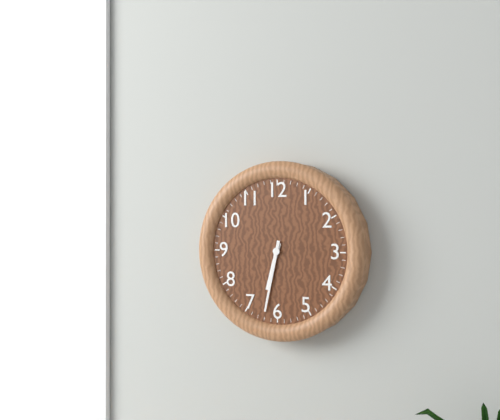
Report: **6:32**
